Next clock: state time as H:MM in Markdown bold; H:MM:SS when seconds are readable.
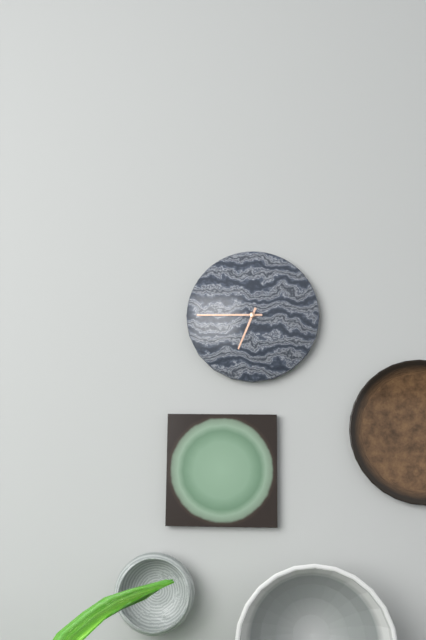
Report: **6:45**
